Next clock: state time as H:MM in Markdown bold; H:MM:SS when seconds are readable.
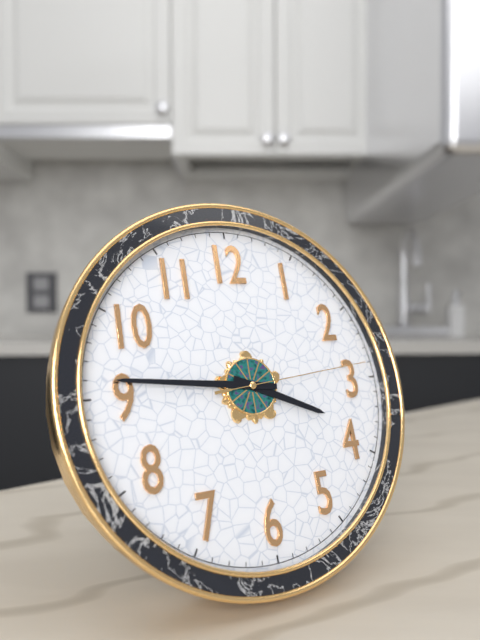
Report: **3:46:14**
